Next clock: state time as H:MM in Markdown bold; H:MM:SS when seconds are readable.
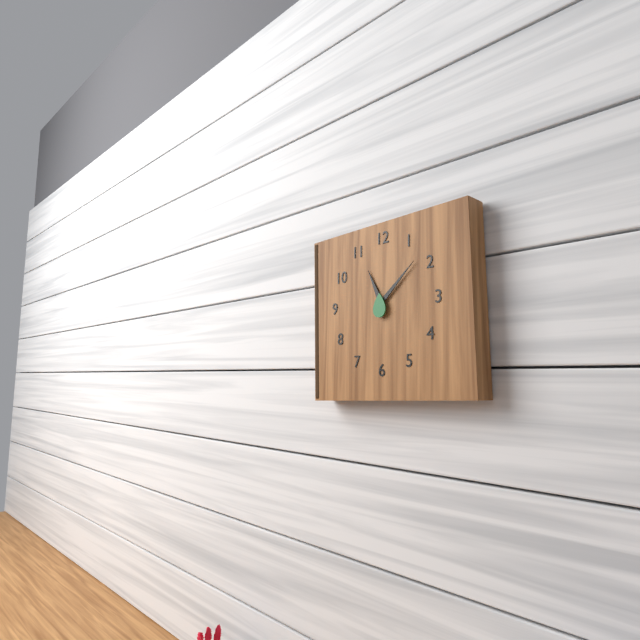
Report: **11:08**
